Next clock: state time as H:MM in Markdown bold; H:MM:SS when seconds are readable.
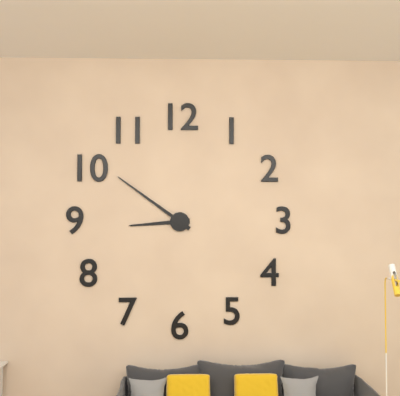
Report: **8:51**
